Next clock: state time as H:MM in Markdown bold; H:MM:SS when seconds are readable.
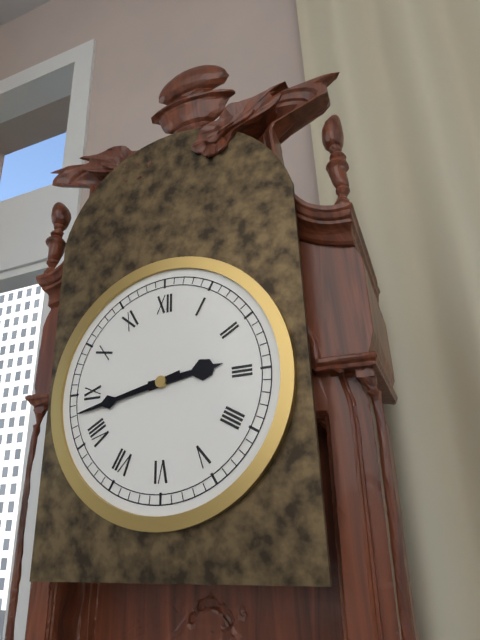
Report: **2:43**
